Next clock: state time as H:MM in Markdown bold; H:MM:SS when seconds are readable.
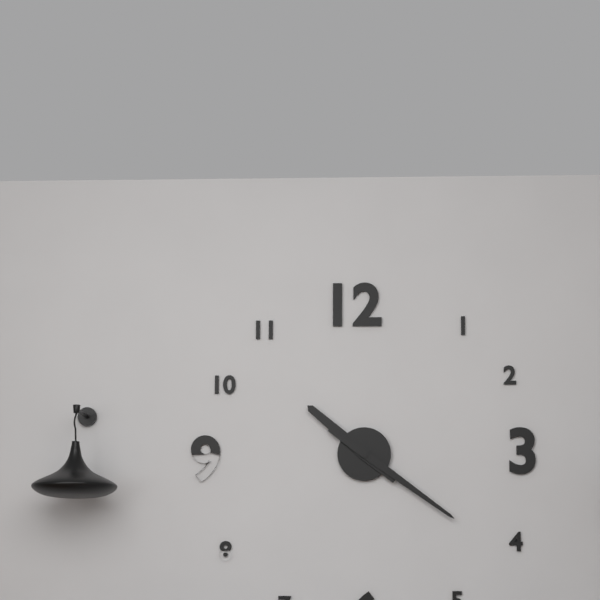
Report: **10:21**
